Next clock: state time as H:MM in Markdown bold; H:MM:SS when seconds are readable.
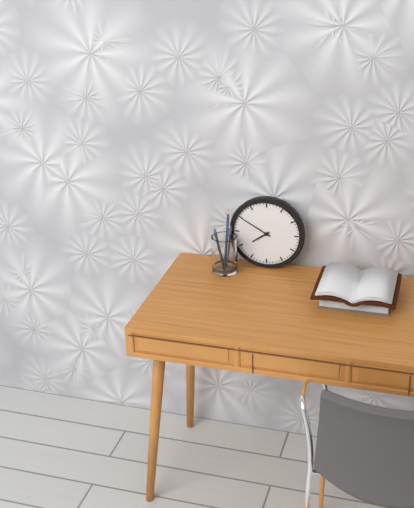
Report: **7:50**
